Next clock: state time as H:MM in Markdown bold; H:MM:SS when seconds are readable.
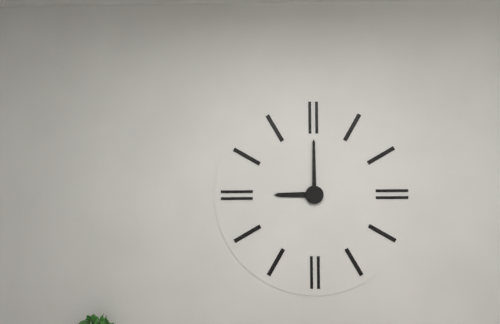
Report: **9:00**
